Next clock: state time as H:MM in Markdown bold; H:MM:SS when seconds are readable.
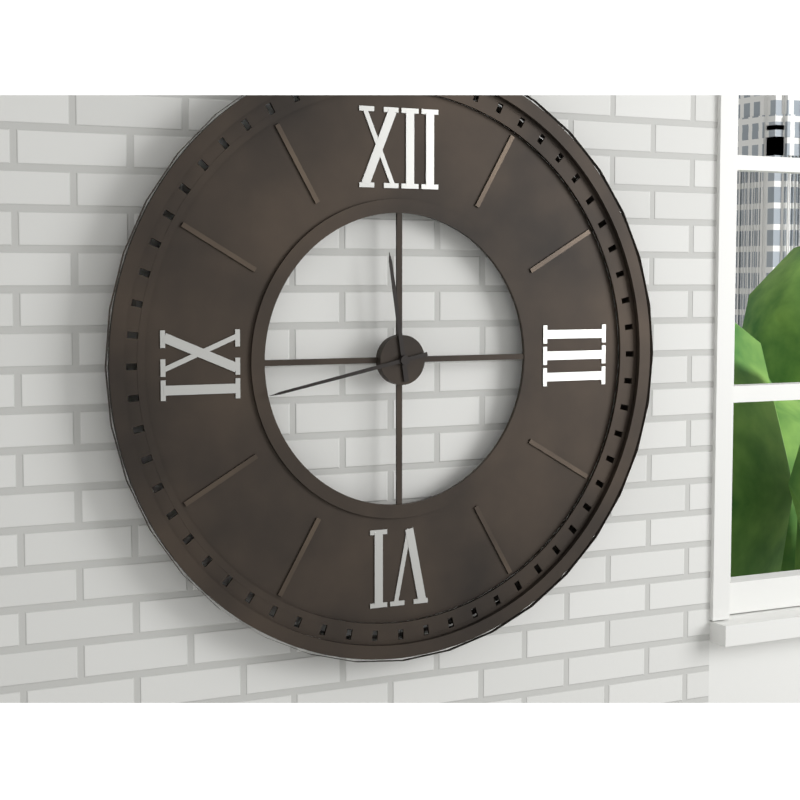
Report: **11:43**
